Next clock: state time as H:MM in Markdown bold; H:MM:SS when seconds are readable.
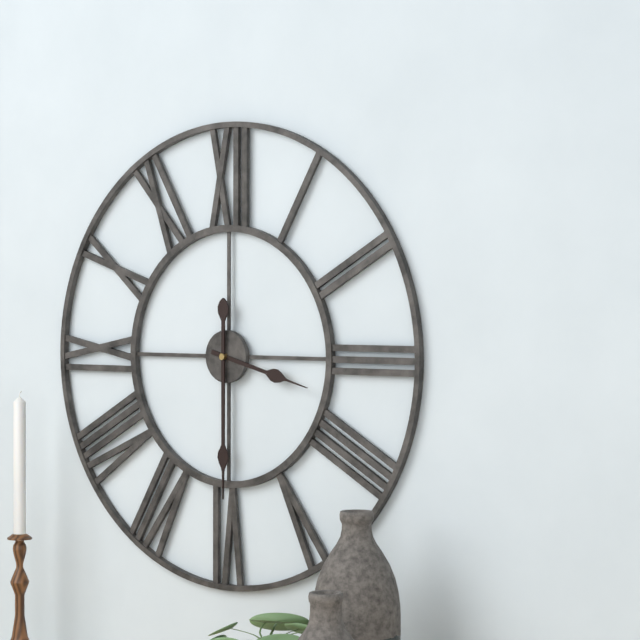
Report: **3:30**
